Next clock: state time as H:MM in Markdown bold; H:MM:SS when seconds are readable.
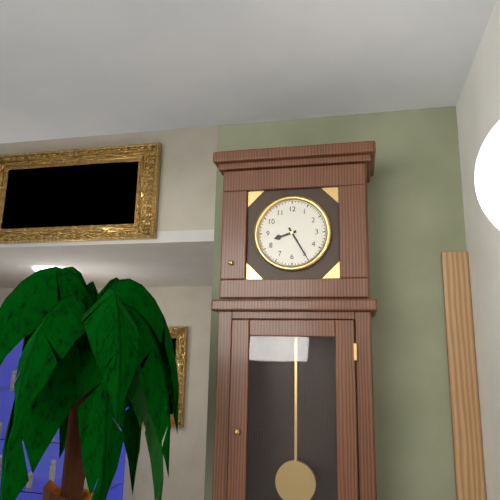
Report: **8:25**
